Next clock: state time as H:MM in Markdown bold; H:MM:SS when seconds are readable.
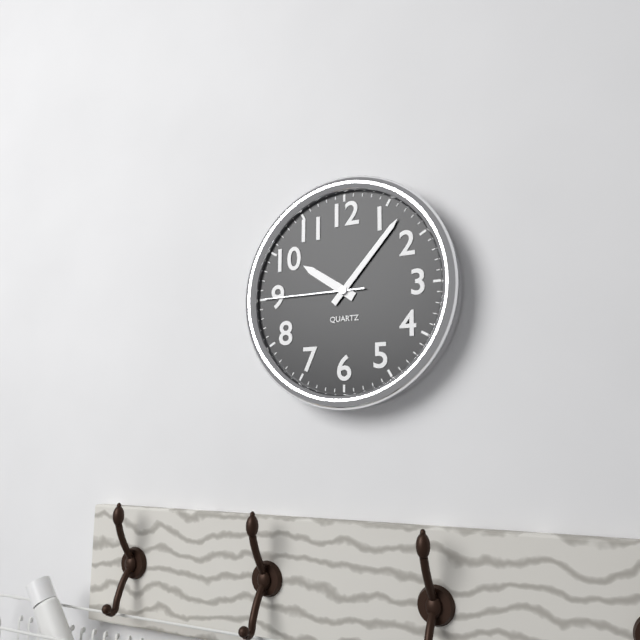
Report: **10:07:45**
